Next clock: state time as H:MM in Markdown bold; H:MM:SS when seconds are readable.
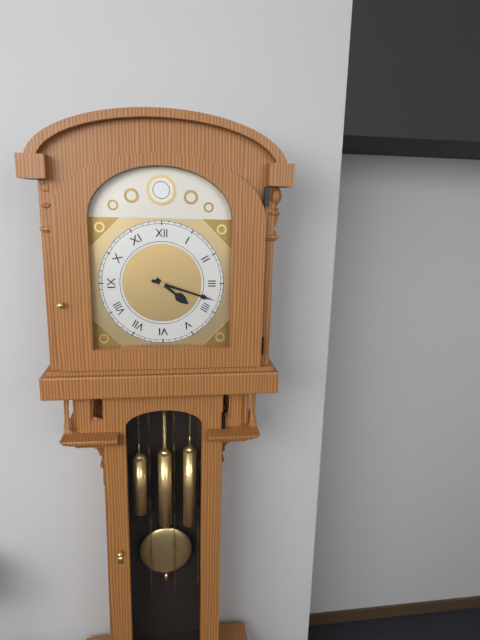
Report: **4:18**
